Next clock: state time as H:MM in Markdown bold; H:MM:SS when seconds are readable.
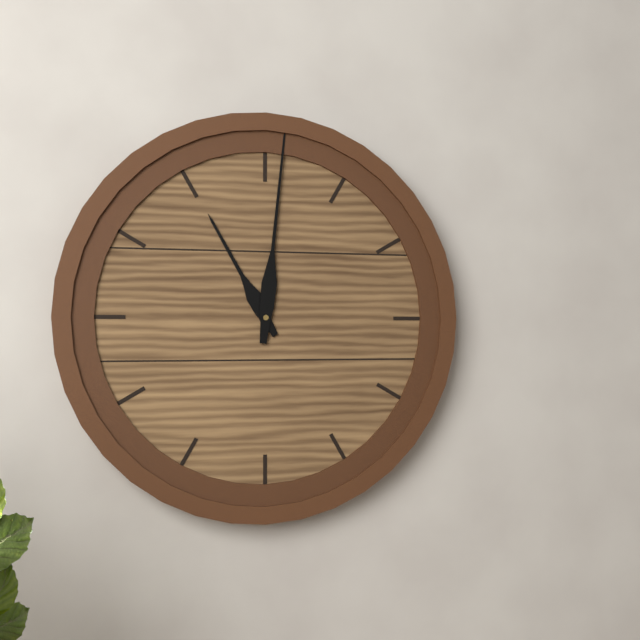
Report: **11:01**
